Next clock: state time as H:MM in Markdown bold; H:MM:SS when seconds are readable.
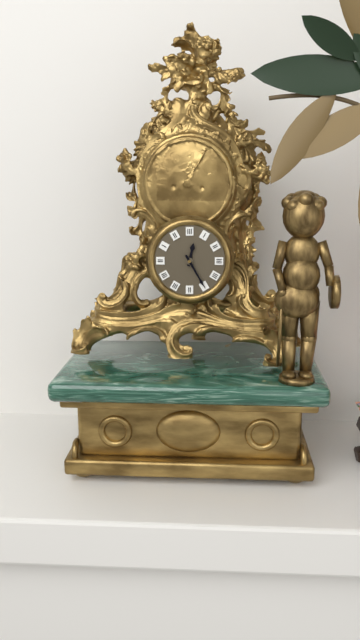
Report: **12:25**
